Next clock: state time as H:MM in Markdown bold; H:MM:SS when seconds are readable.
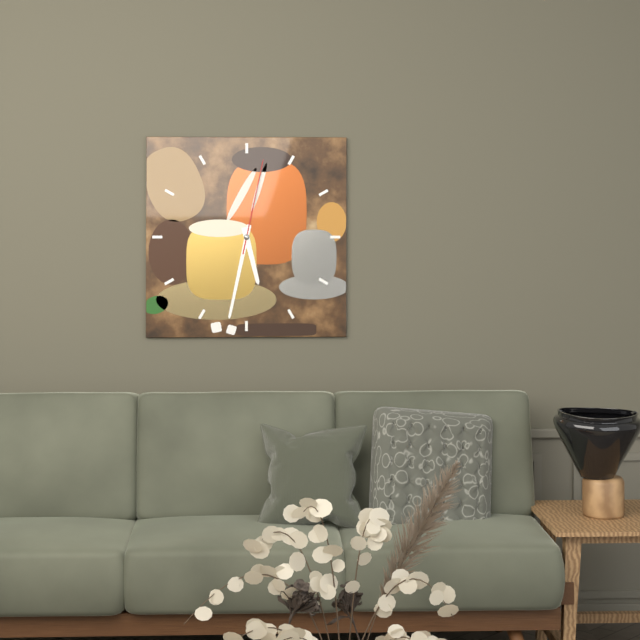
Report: **5:32:02**
